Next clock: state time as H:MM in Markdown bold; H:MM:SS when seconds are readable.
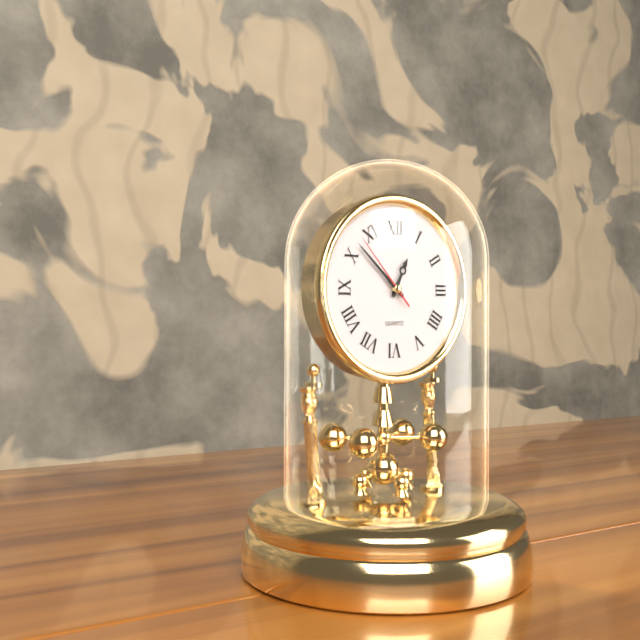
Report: **12:52:53**
